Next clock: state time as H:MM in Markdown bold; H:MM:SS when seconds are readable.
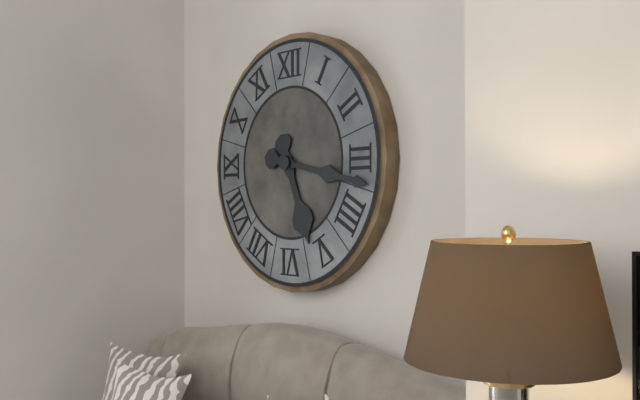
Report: **5:17**
